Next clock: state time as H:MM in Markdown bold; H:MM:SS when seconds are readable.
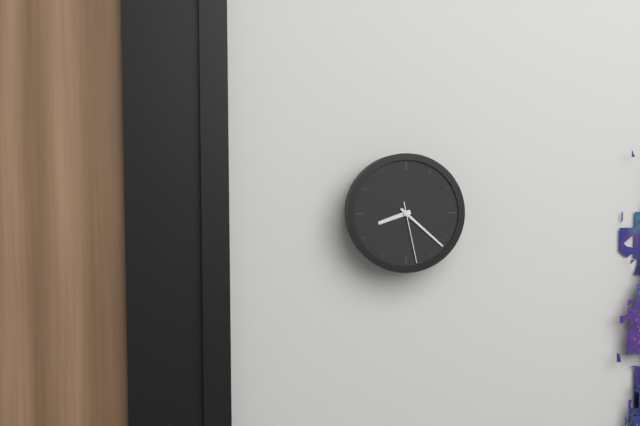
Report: **8:22:28**
